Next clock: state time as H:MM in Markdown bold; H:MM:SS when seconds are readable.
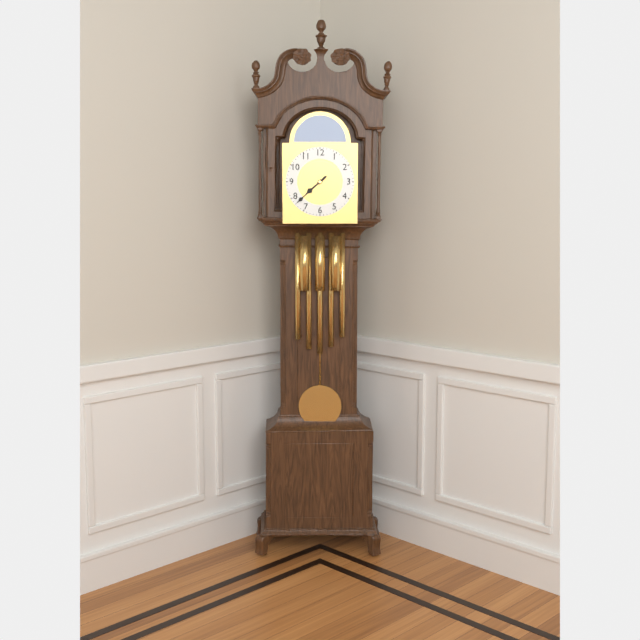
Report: **7:38**
